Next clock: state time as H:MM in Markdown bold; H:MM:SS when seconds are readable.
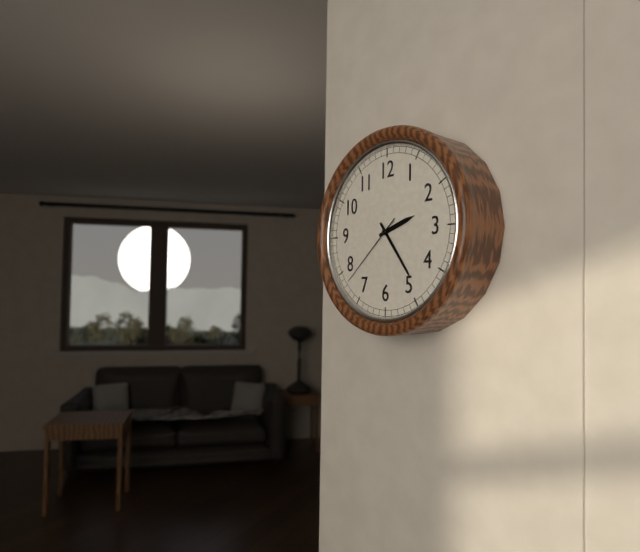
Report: **2:24:38**
